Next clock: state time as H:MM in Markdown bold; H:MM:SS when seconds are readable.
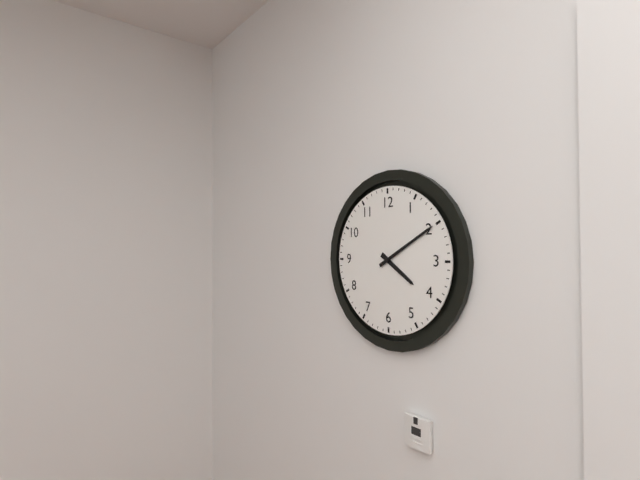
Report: **4:10**
